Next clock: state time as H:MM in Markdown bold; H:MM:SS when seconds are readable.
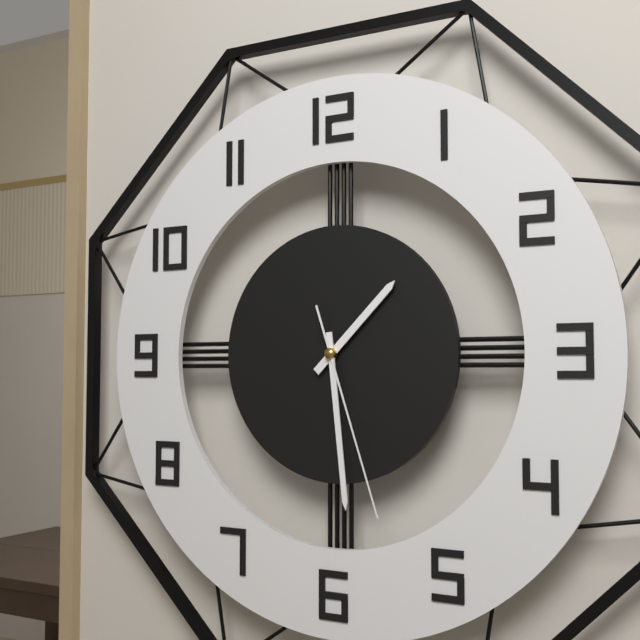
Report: **1:29:27**
